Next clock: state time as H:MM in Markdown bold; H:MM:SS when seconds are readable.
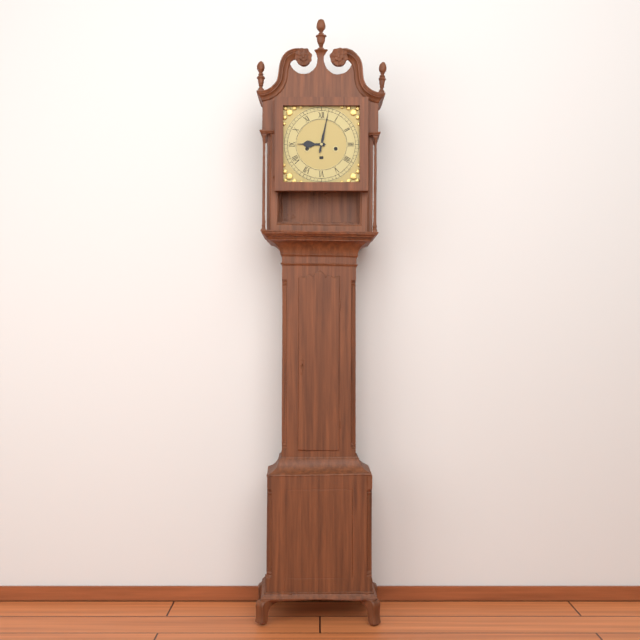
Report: **9:02**
